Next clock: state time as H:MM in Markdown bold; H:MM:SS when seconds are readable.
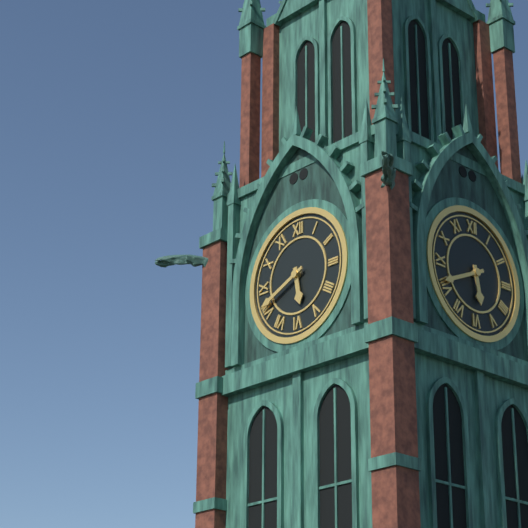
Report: **5:41**
